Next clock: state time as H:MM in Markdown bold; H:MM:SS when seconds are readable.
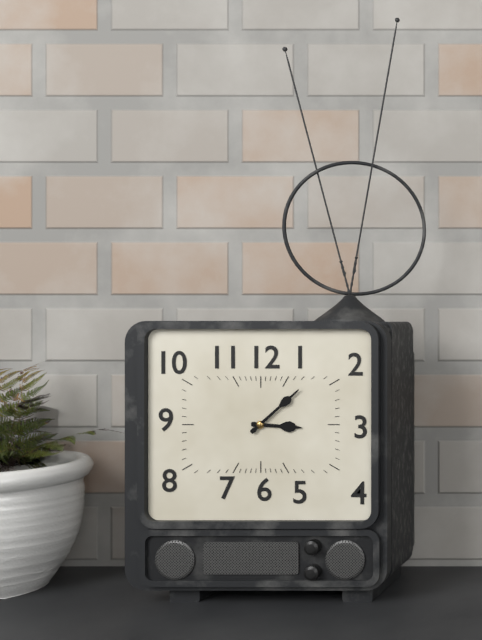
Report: **3:08**
